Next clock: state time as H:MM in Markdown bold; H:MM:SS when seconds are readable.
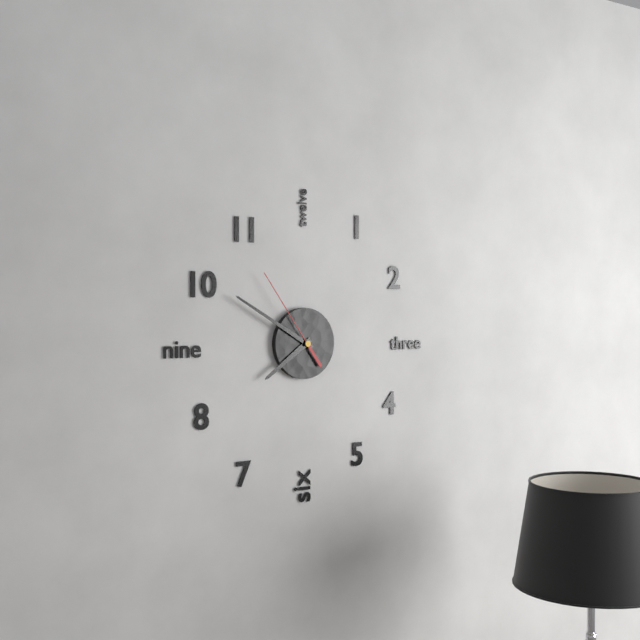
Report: **7:50:54**
